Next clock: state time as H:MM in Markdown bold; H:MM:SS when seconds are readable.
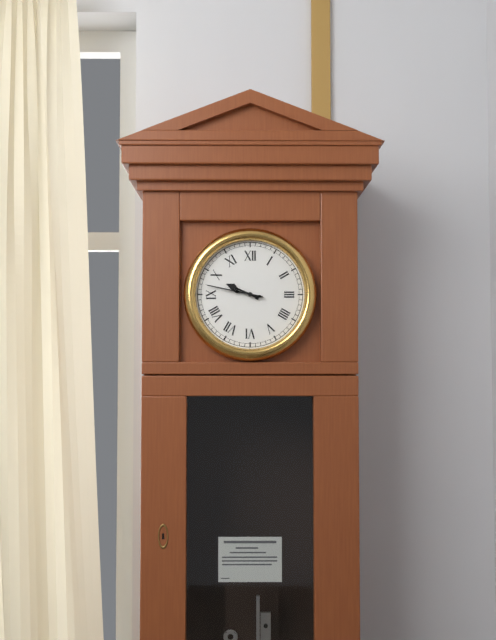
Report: **9:47**
